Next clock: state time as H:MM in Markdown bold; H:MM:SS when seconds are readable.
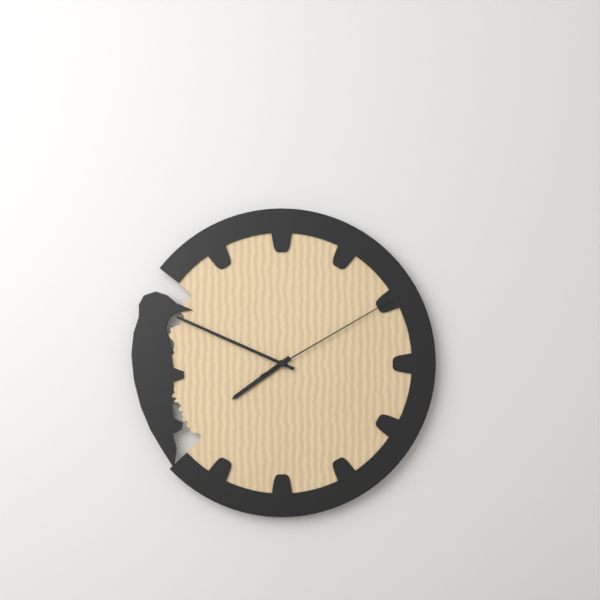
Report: **7:49:10**
